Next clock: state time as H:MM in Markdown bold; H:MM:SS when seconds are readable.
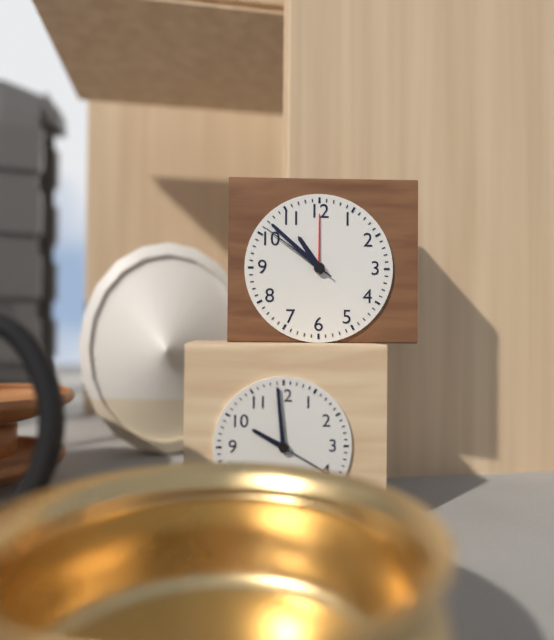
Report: **10:52:51**
